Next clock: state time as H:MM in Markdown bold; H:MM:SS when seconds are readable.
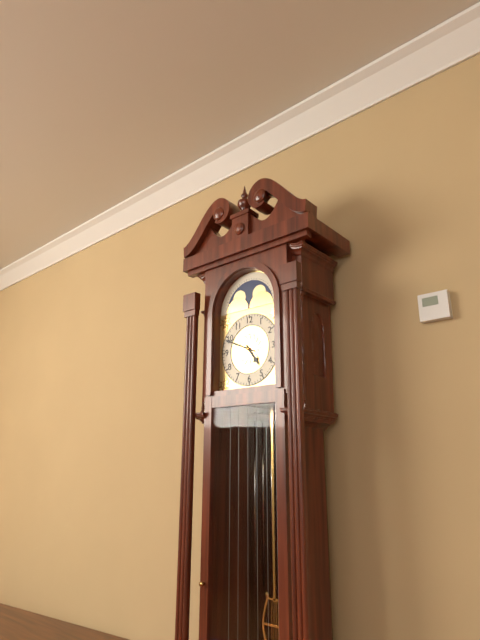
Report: **4:49**
